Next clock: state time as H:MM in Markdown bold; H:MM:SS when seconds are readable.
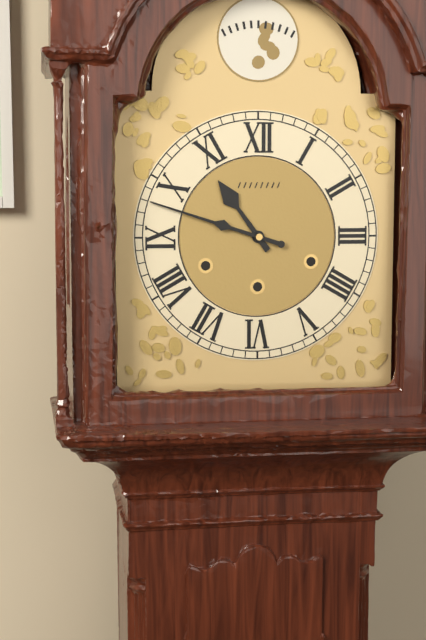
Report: **10:48**
